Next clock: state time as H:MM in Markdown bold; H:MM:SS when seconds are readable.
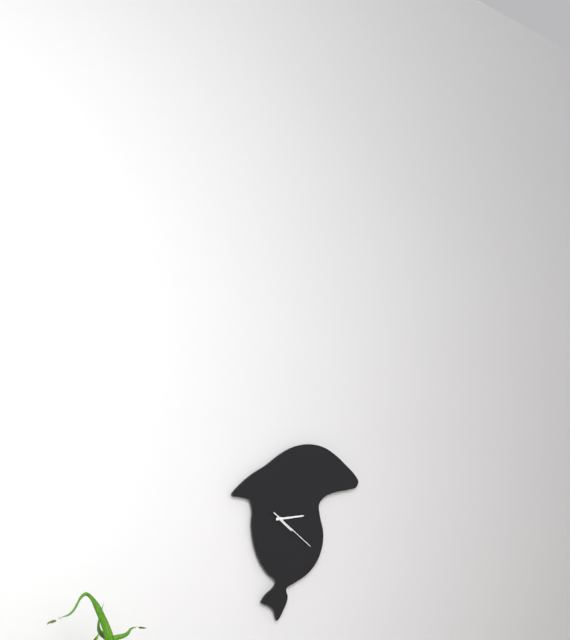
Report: **4:14:21**
